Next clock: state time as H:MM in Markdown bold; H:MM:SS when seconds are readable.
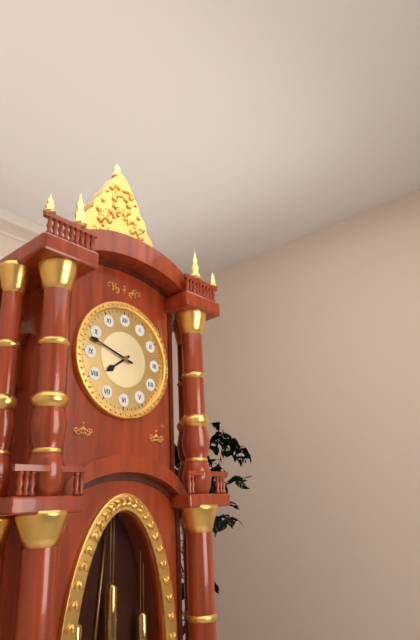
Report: **7:48**
